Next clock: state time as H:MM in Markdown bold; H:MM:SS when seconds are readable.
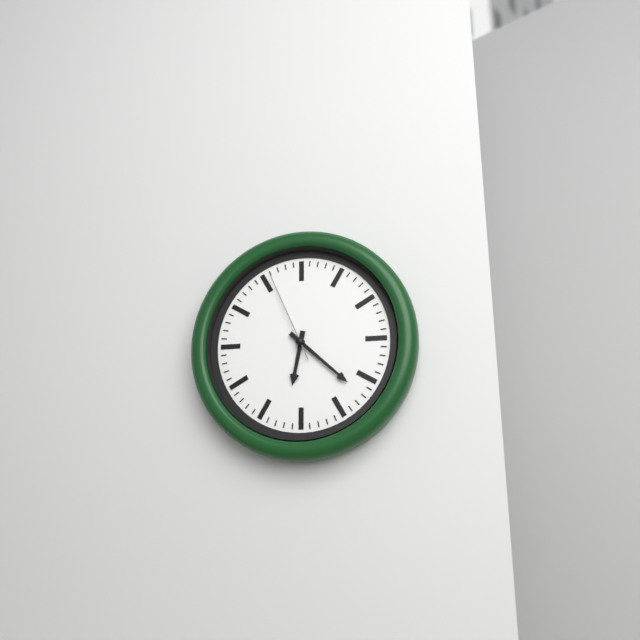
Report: **6:22:56**
